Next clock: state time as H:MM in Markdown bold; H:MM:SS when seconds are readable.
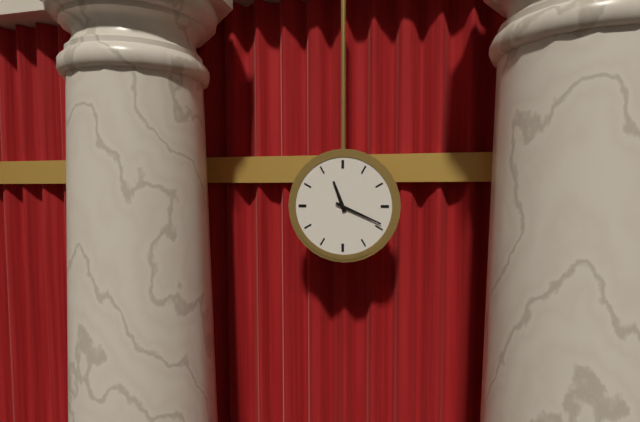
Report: **11:19**
